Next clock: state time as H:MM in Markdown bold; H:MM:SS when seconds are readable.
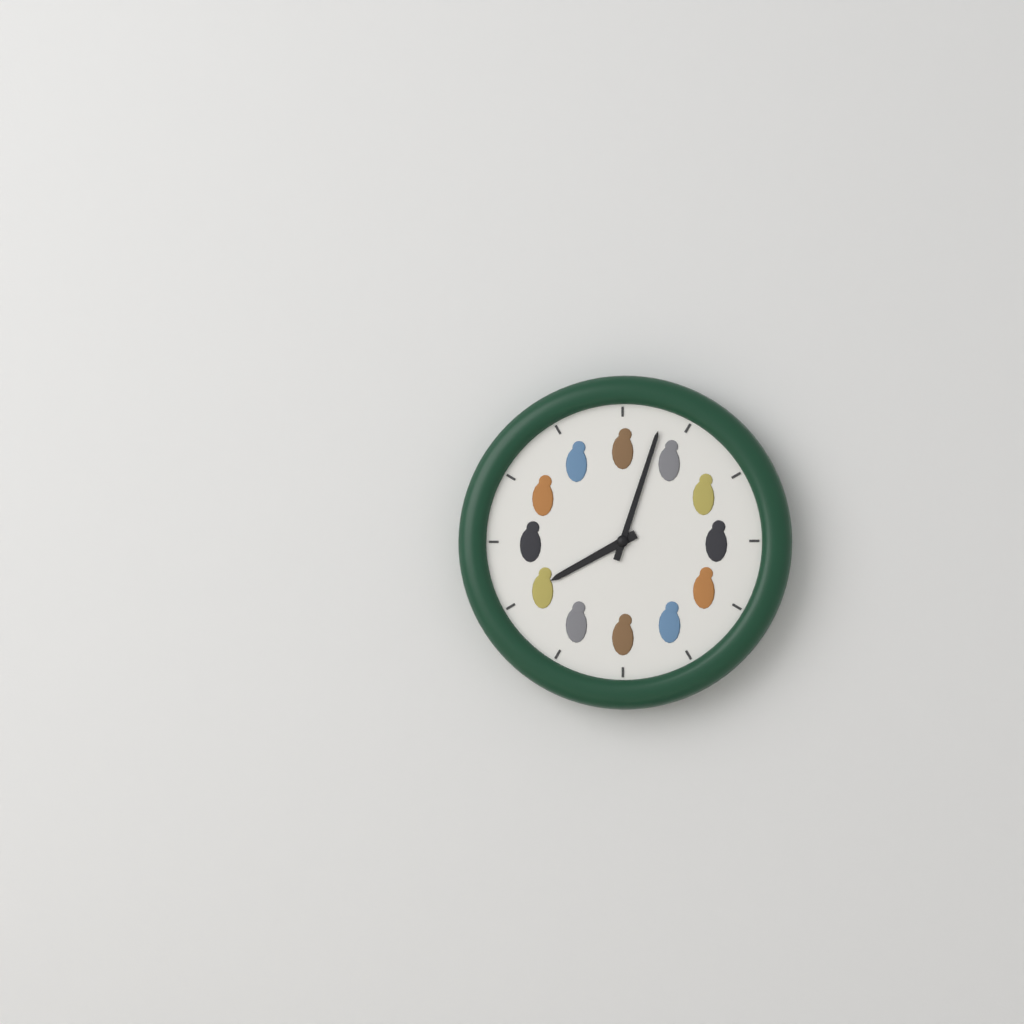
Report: **8:03**
